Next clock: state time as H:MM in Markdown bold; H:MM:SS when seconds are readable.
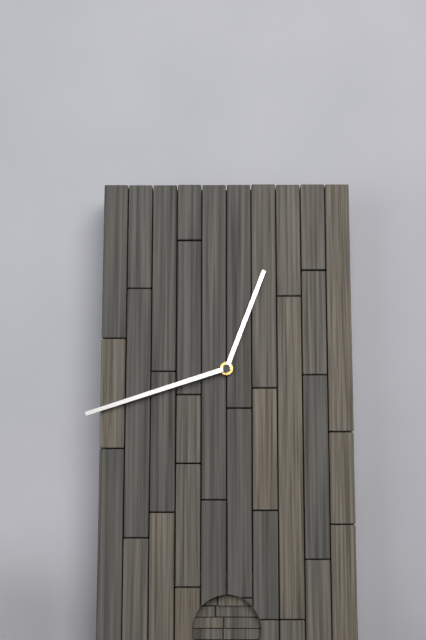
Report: **12:42**
